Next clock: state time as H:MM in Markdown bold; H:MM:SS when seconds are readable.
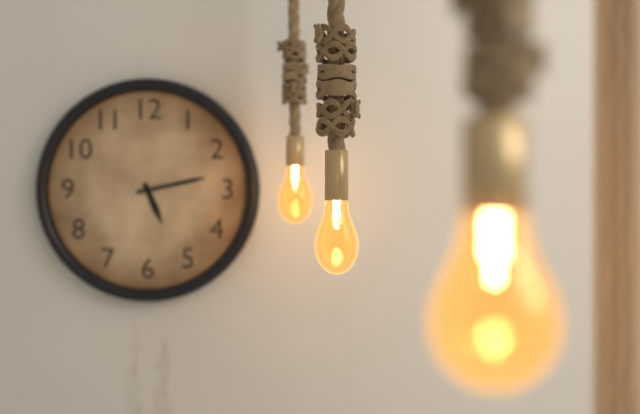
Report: **5:13**
